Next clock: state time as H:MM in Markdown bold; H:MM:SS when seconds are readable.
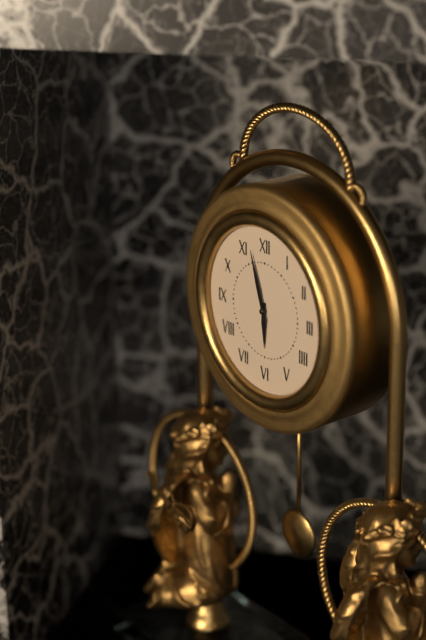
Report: **5:57**
